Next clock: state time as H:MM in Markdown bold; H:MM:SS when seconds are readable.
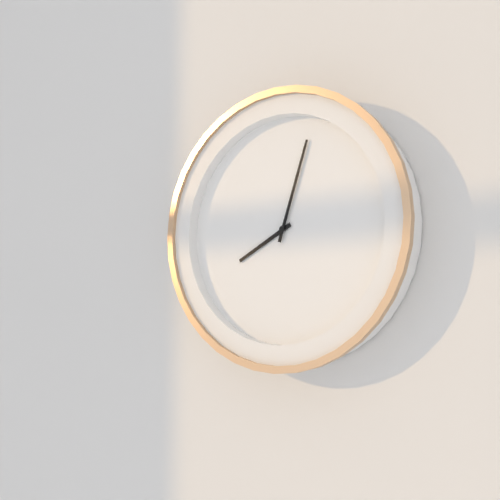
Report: **8:03**
